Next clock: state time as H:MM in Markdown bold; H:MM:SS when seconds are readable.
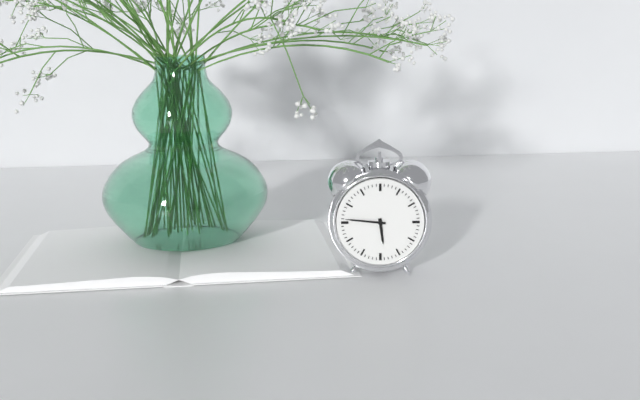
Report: **5:46**
